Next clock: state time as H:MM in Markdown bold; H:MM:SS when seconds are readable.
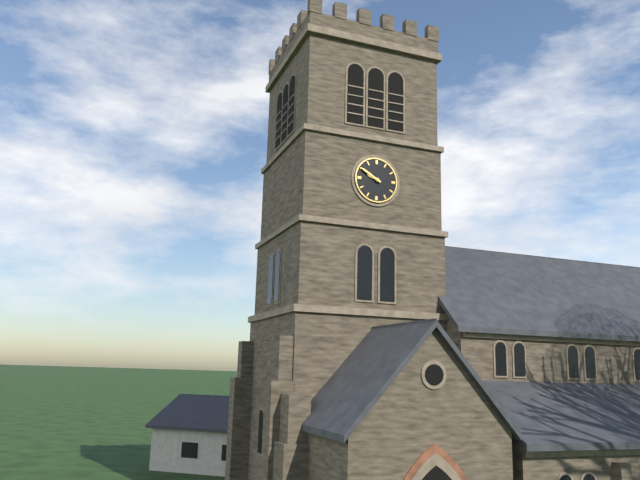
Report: **9:50**
